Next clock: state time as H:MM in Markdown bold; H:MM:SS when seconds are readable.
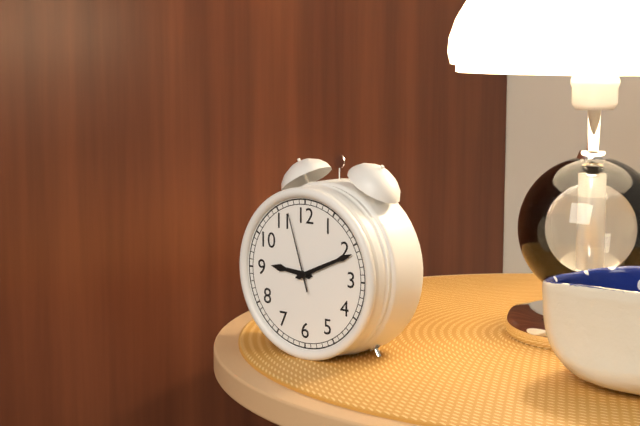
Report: **9:11:57**
